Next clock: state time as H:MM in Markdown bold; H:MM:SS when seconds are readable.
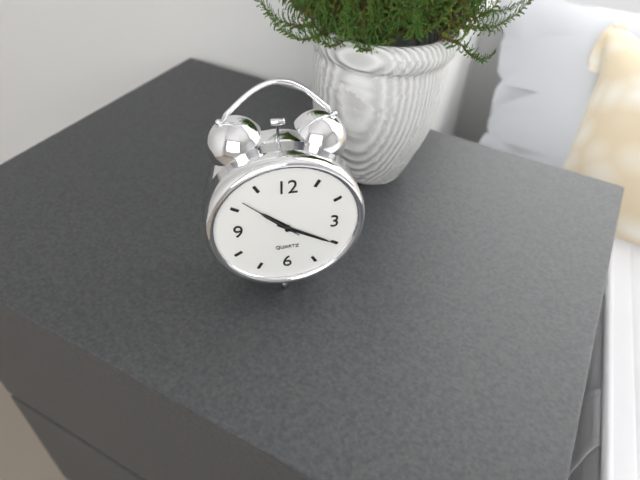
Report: **10:20:52**
